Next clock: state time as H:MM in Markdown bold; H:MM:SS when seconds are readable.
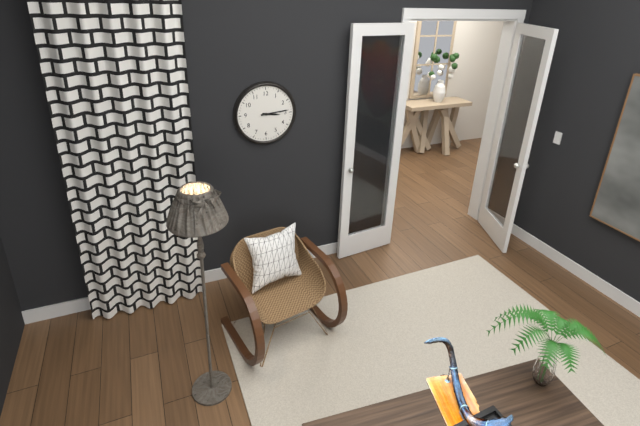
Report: **3:14**
